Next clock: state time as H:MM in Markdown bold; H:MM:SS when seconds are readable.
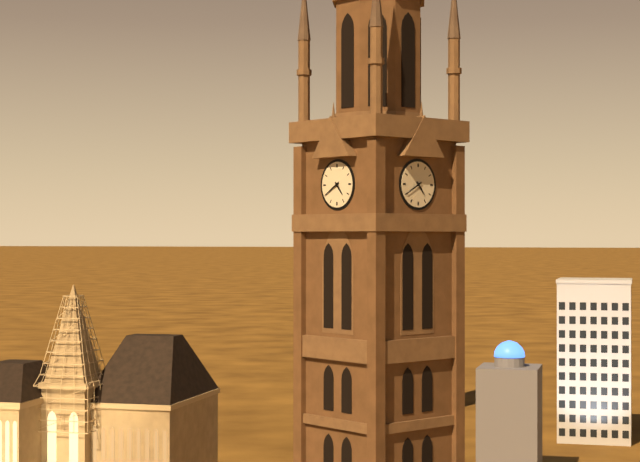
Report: **4:40**
